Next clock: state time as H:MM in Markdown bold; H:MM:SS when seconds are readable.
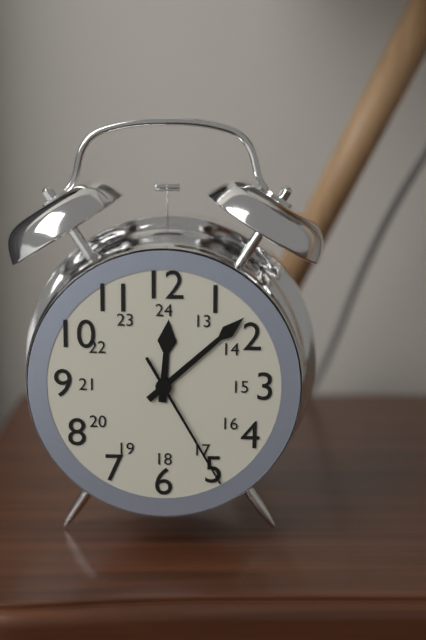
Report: **12:08:25**
